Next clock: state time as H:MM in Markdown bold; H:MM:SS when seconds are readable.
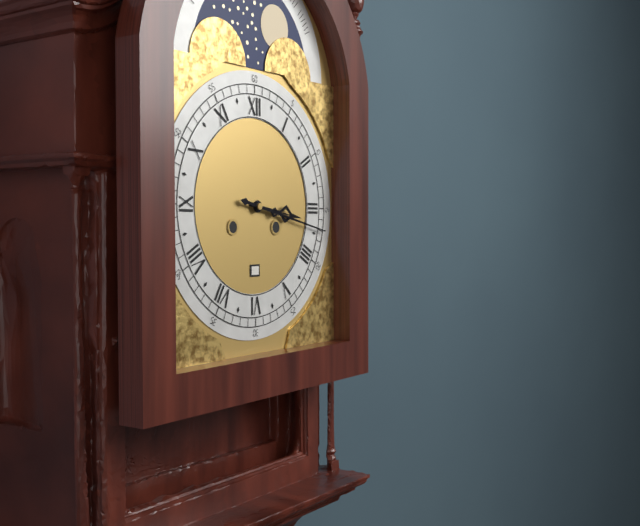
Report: **3:17**
